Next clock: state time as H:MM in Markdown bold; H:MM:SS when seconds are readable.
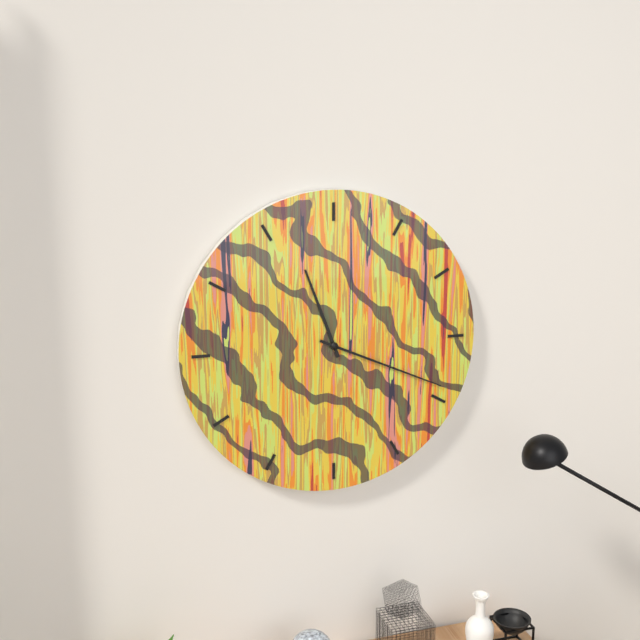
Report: **11:19**
